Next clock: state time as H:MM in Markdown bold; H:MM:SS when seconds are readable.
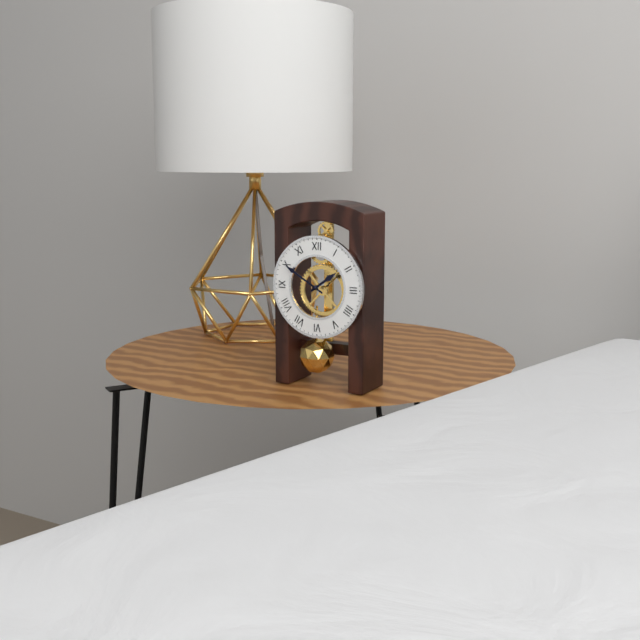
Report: **1:50**
